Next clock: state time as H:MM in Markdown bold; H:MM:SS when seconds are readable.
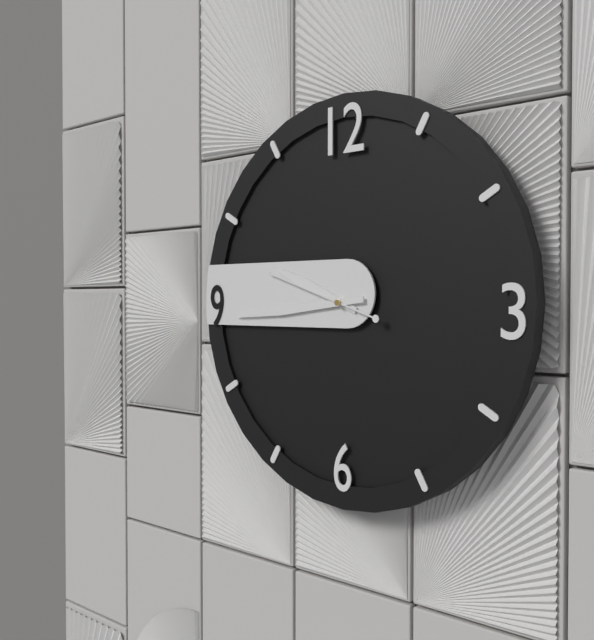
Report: **9:44:48**
